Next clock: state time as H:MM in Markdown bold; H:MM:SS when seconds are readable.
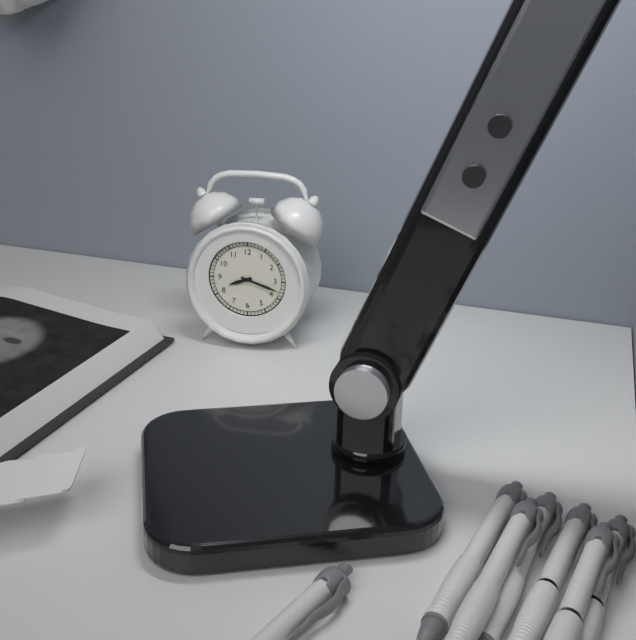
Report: **8:18**
